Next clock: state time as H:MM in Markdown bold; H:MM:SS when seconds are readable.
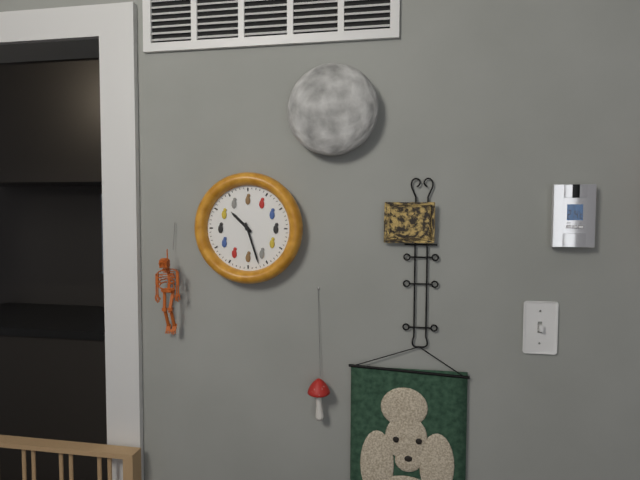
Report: **10:27**
